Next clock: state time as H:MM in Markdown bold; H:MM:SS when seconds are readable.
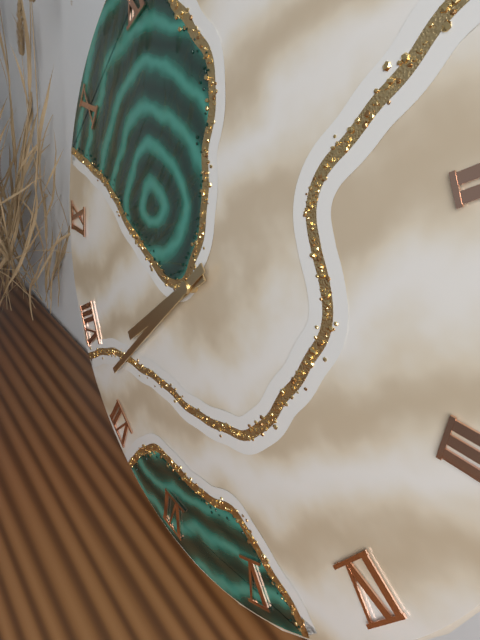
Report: **7:37**
